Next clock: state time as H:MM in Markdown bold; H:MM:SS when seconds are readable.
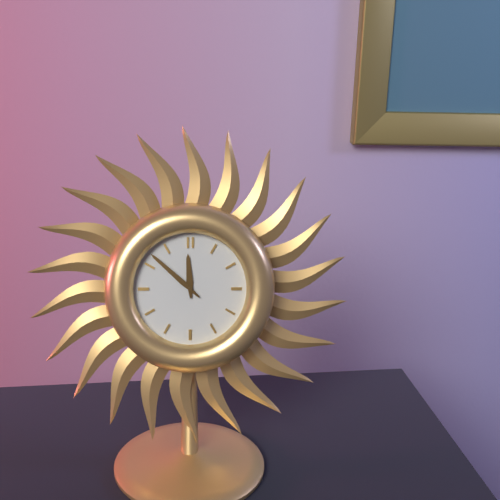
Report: **11:52**
